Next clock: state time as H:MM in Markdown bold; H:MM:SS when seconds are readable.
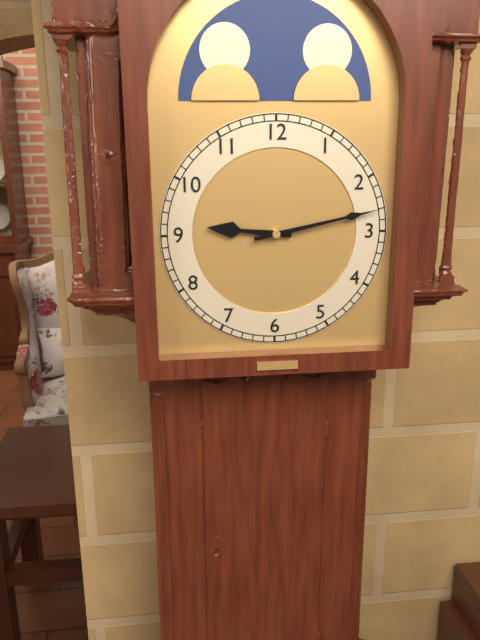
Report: **9:13**
